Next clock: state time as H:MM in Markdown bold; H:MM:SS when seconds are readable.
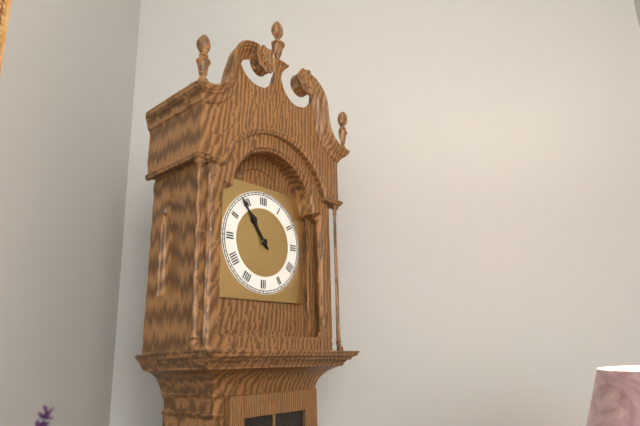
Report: **10:54**
